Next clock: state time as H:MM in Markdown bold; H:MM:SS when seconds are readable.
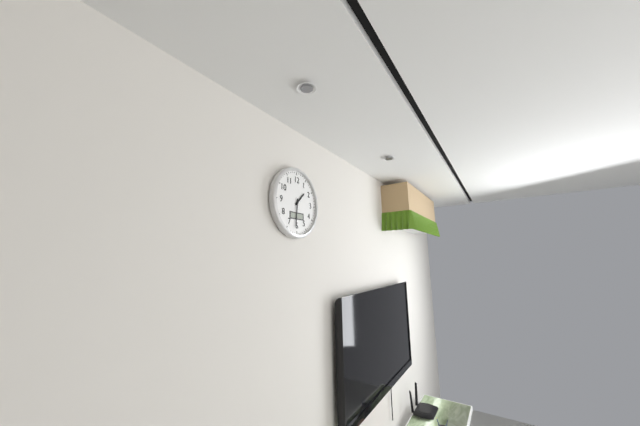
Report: **1:31**
